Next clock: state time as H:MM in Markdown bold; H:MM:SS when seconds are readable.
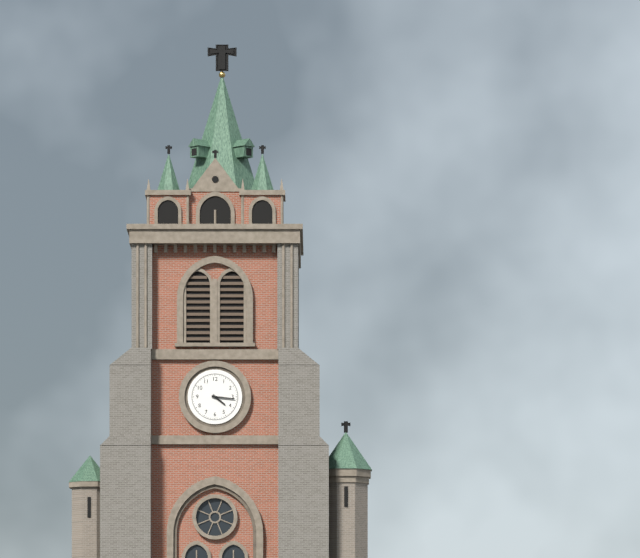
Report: **4:16**
